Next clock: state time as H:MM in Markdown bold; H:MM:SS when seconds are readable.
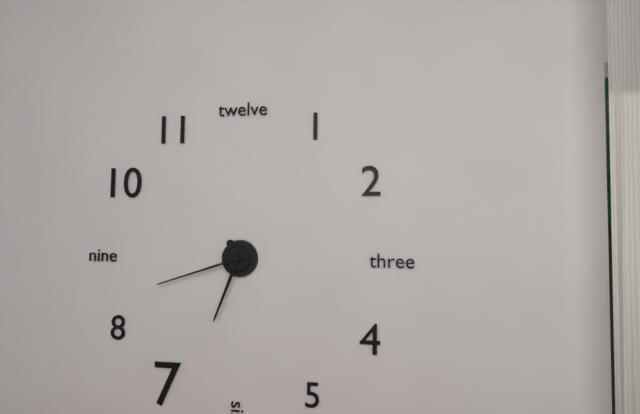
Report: **6:42**
